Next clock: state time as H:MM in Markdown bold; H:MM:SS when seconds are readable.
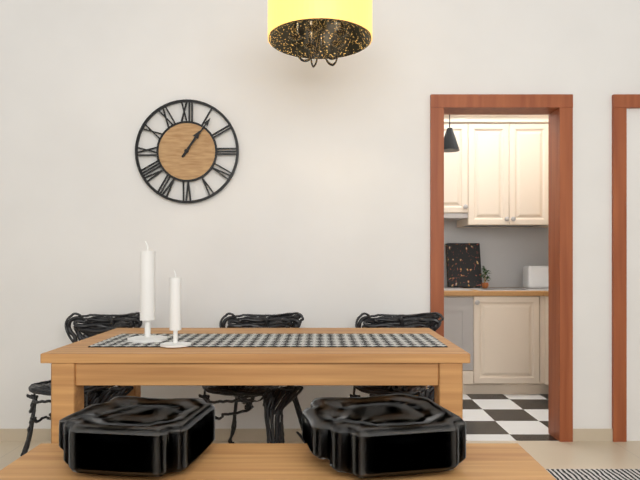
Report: **1:06**
